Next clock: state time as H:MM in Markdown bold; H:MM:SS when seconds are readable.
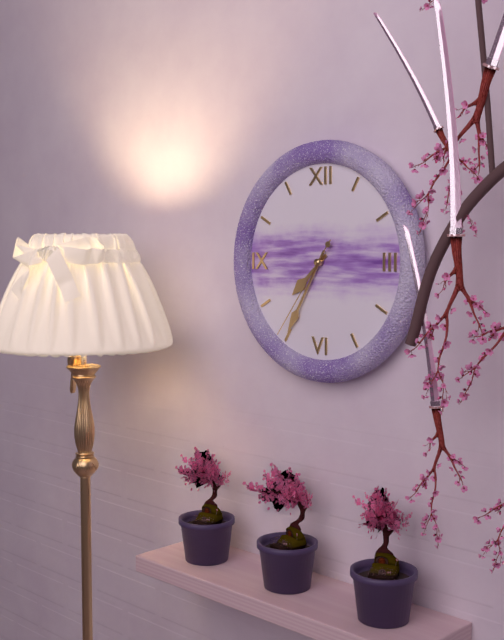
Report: **7:35:36**
